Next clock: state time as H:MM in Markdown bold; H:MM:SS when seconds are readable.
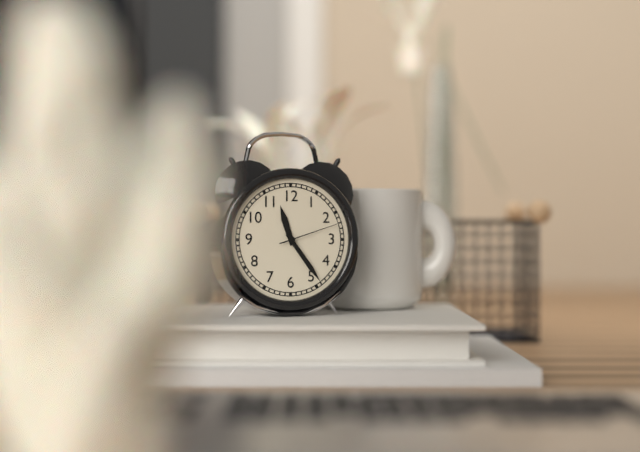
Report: **11:24:12**
